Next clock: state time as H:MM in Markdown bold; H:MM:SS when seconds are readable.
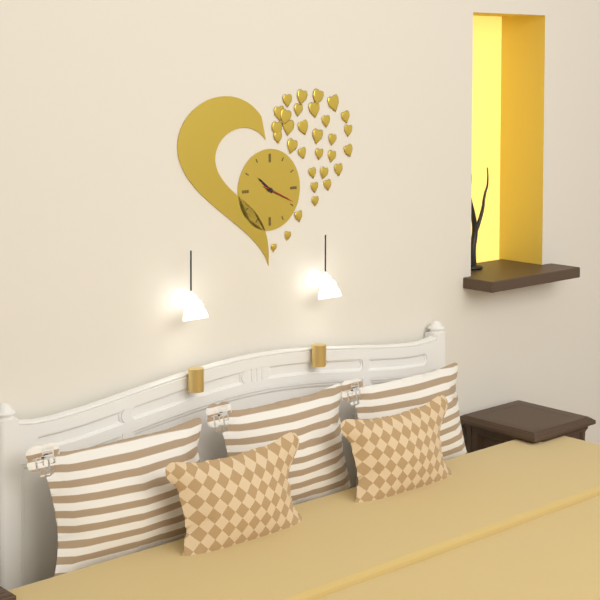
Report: **10:19**
